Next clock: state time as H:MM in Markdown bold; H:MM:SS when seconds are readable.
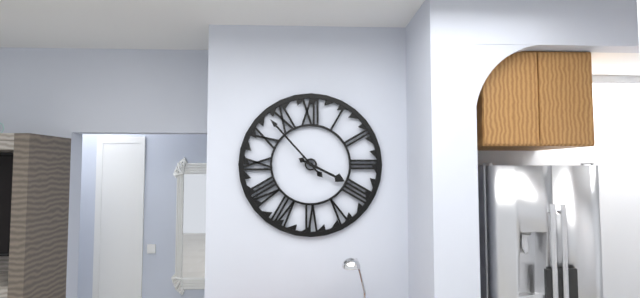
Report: **3:53**
